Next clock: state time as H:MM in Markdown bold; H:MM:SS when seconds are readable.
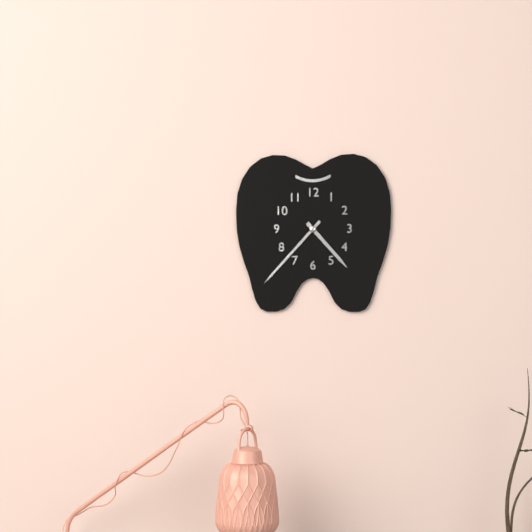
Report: **4:37**
